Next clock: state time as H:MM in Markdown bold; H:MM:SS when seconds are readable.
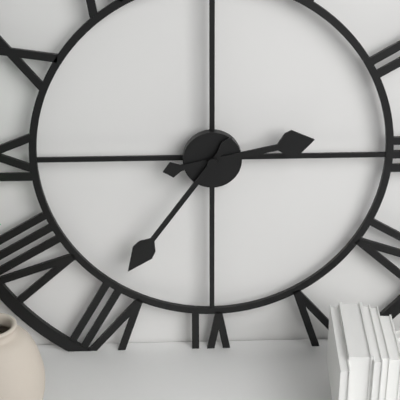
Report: **2:36**
